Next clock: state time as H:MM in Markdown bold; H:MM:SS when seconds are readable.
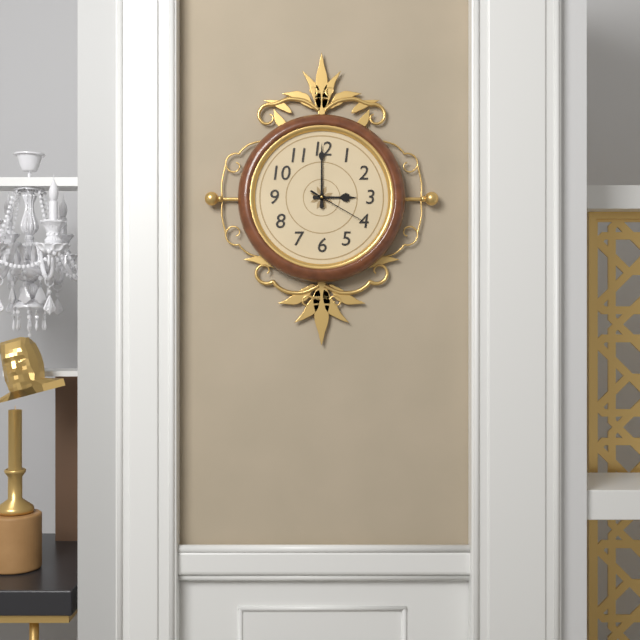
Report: **3:00:20**
